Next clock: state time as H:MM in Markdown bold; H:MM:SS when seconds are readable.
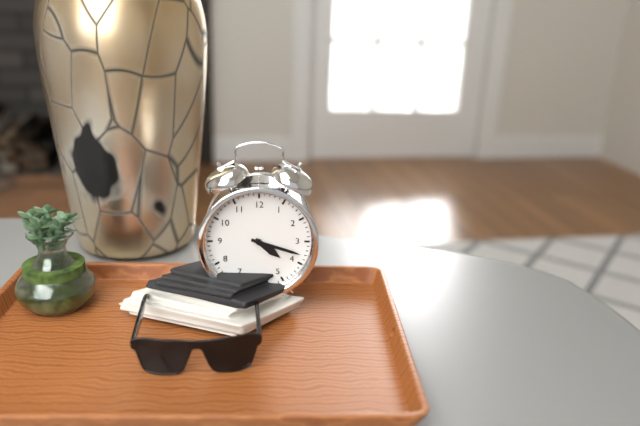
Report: **4:18**
